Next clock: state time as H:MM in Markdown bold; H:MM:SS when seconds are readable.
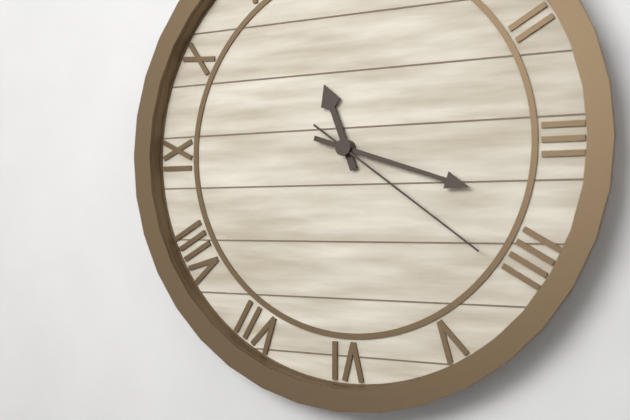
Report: **11:18:21**
